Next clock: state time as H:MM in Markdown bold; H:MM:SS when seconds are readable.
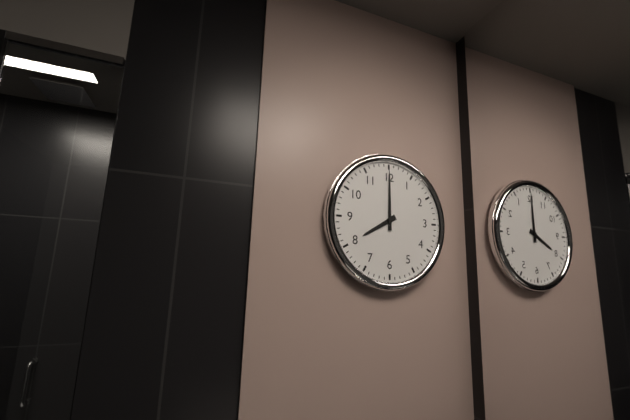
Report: **8:00**
